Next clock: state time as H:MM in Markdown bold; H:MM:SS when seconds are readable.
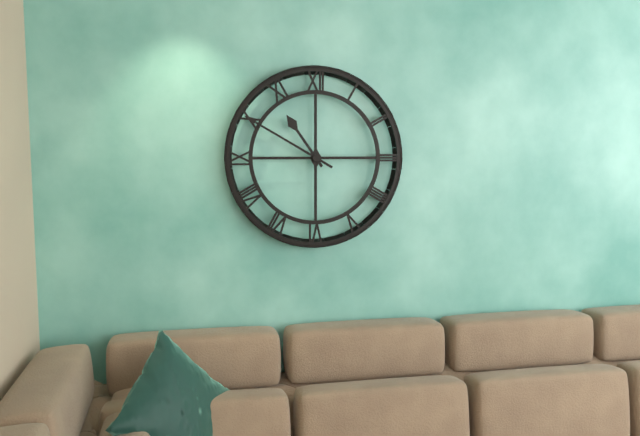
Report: **10:50**
